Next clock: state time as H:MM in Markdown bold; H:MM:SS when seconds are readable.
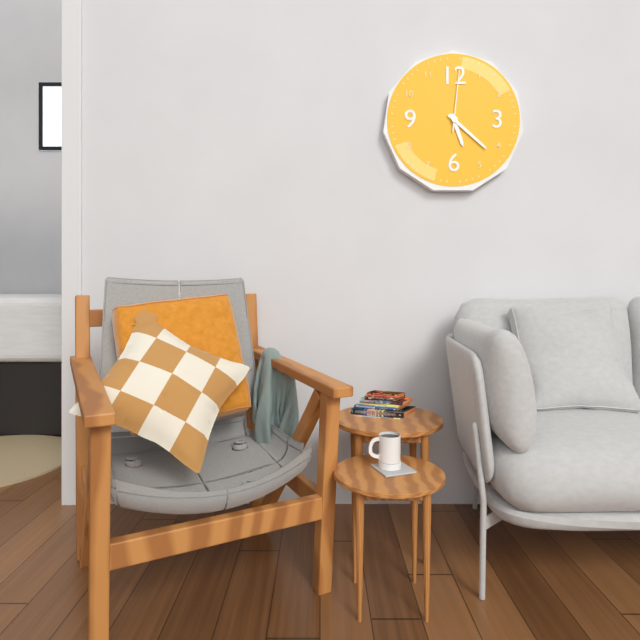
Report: **5:22:01**
